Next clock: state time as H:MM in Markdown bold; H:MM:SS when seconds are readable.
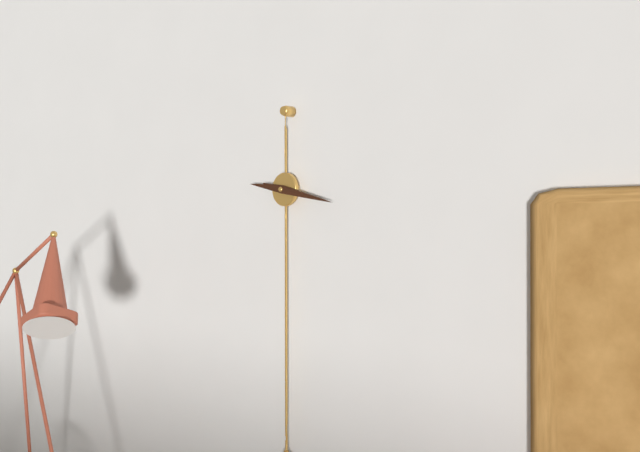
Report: **9:17**
